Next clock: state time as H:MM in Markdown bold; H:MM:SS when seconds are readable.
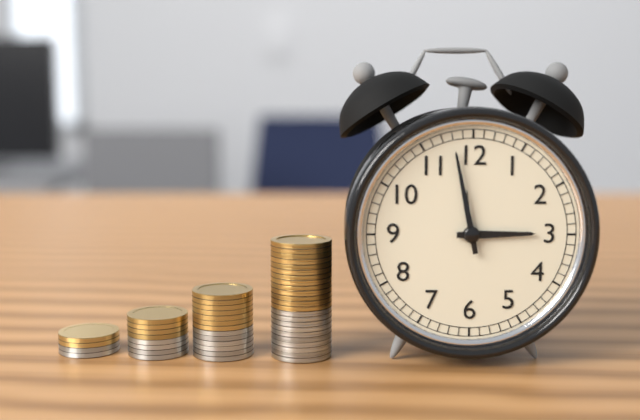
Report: **2:58**
